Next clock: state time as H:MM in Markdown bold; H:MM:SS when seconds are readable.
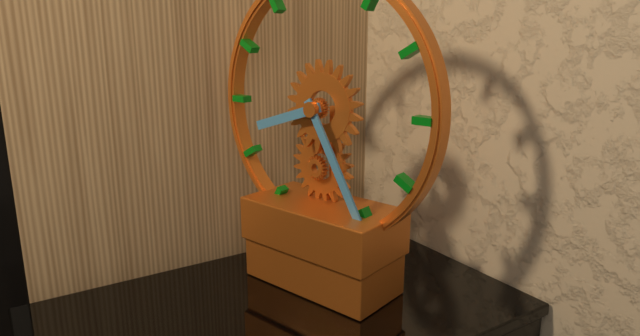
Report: **8:25**
